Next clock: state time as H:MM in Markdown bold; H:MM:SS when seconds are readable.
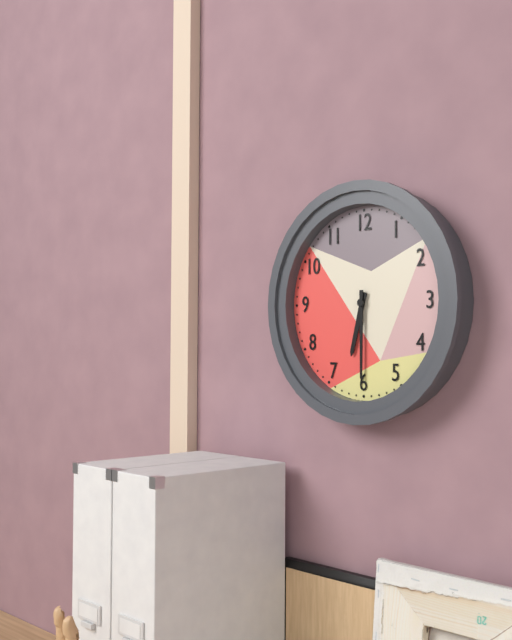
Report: **6:30**
